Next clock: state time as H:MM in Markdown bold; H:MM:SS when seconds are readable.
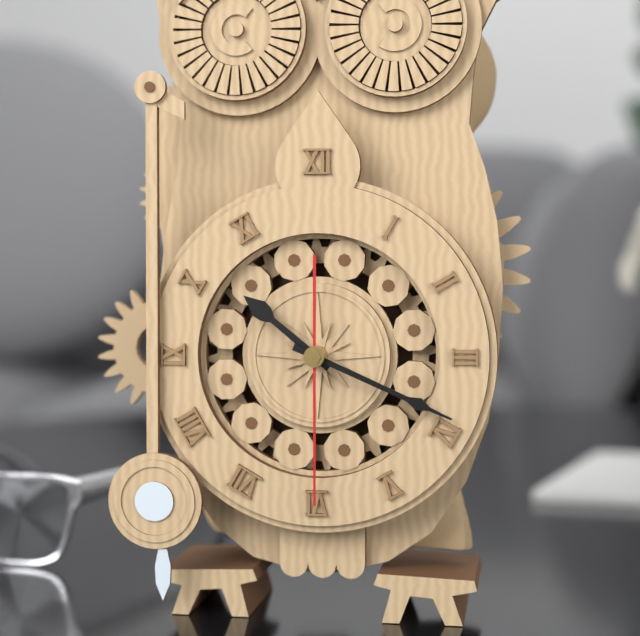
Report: **10:19:30**
